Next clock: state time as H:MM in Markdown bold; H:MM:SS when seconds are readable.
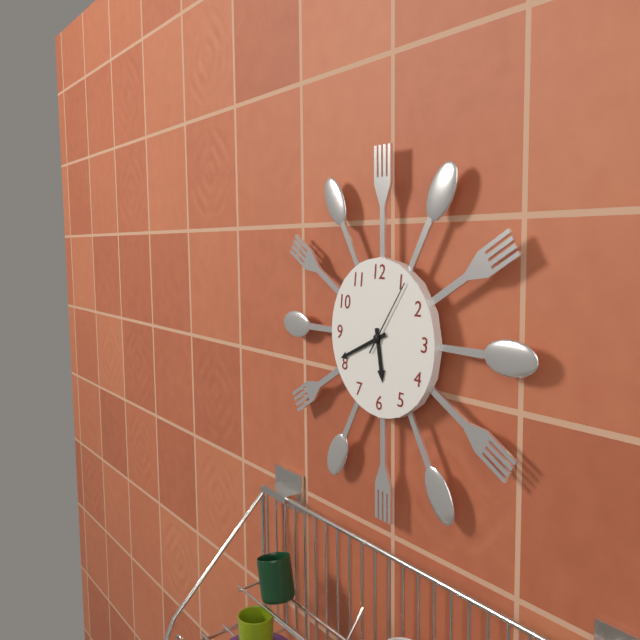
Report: **5:41:06**
